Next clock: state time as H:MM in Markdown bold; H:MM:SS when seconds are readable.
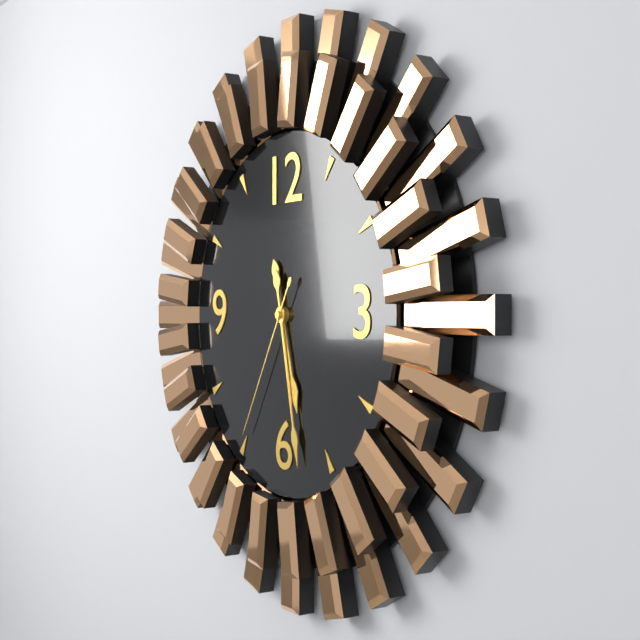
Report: **5:28:35**
